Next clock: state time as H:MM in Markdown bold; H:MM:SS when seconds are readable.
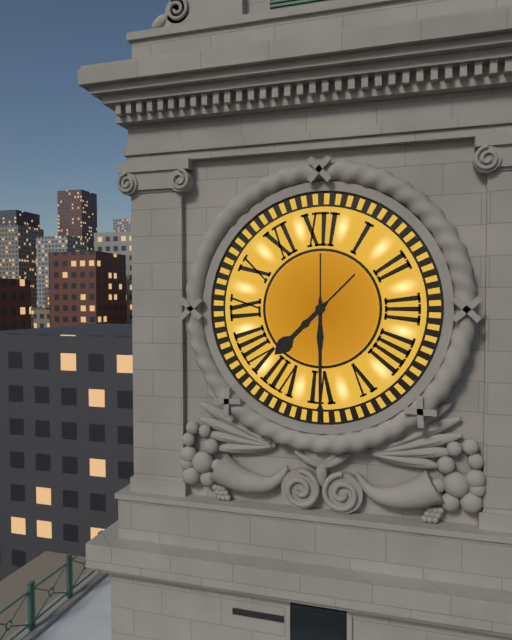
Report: **7:30**
